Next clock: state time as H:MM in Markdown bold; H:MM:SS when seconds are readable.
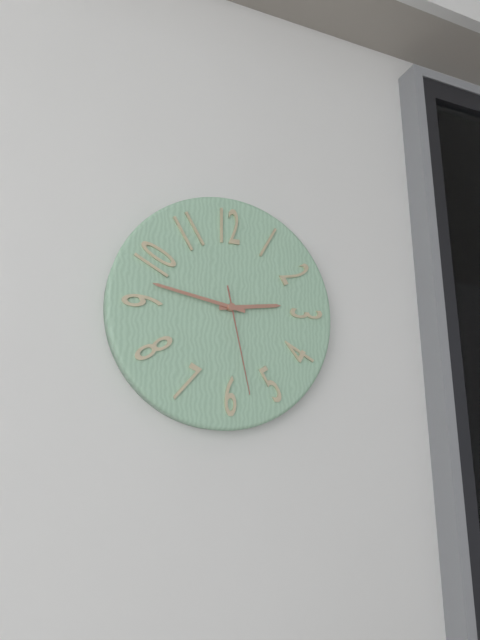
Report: **2:47:28**
